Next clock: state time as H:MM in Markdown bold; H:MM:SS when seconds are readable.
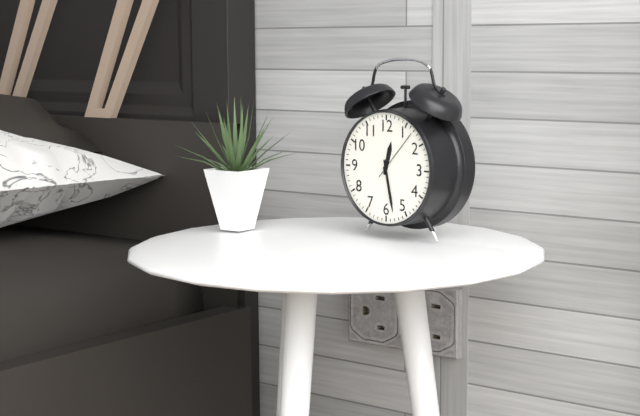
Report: **12:28:07**
